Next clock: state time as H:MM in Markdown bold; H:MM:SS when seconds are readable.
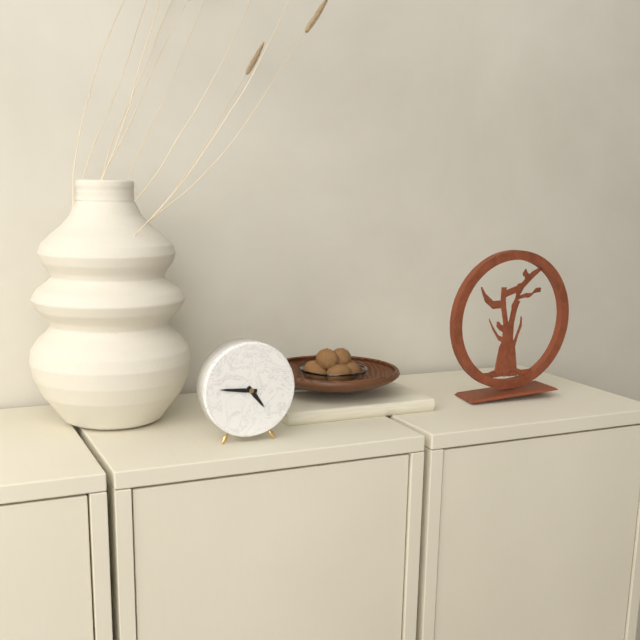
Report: **4:46**
